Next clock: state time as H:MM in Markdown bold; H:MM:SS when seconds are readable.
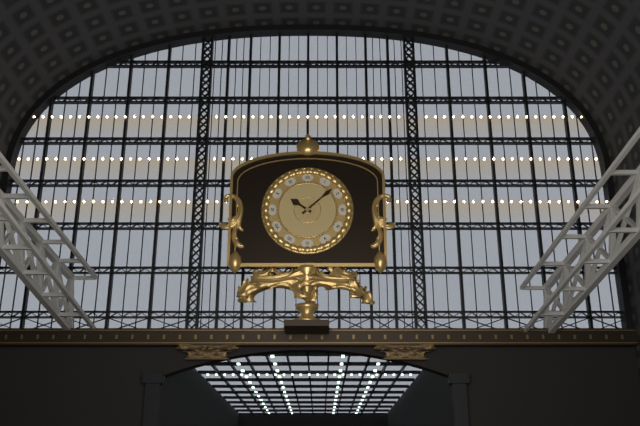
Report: **10:08**
